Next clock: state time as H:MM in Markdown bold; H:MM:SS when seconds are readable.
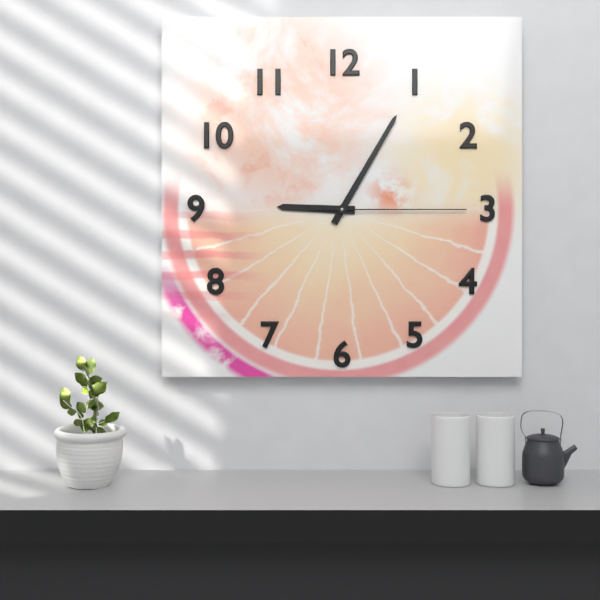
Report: **9:05:15**
